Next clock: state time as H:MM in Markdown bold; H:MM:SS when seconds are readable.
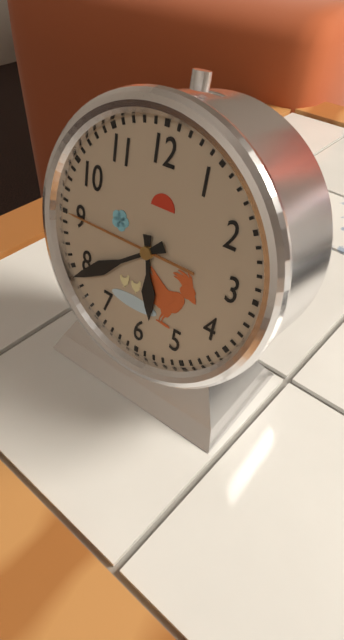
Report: **5:39**
